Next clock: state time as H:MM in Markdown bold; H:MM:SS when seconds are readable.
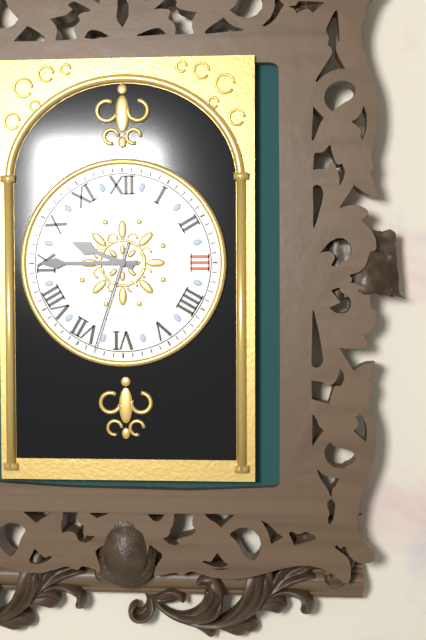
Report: **9:45:33**
